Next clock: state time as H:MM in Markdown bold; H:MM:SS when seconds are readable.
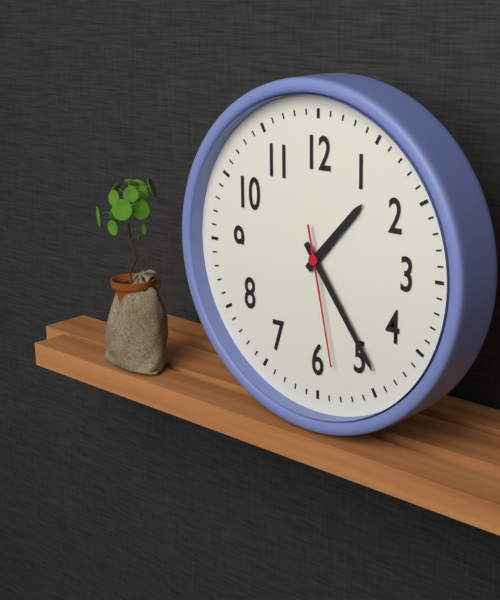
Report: **1:24:28**
